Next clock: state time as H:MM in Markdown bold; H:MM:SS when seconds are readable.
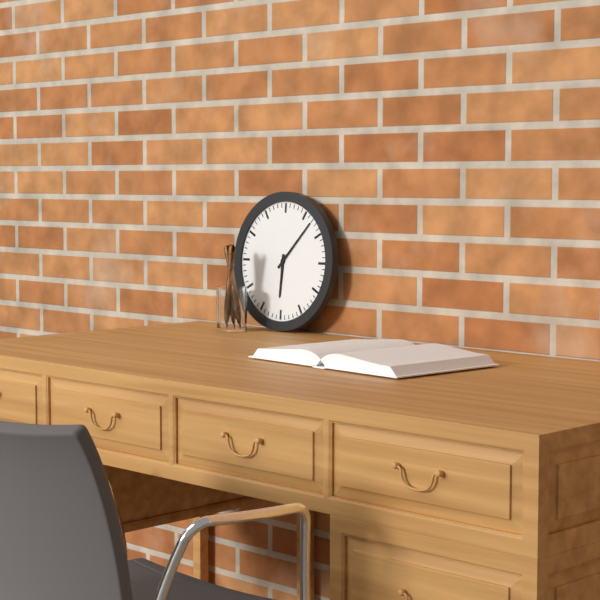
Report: **6:07**
